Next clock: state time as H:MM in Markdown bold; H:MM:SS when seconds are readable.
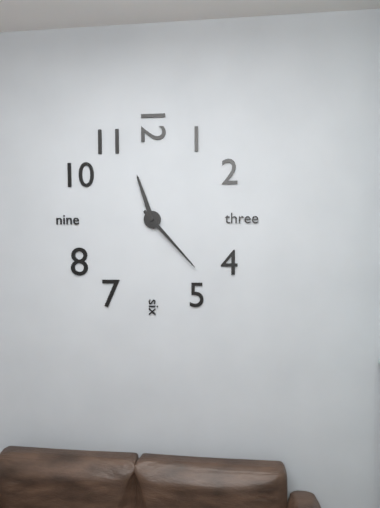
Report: **11:23**
